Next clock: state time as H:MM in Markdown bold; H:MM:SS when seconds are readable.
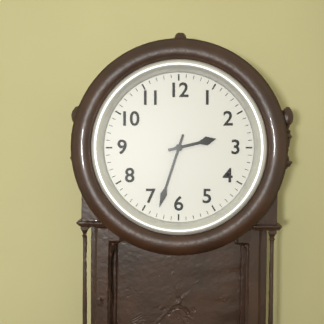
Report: **2:33**
